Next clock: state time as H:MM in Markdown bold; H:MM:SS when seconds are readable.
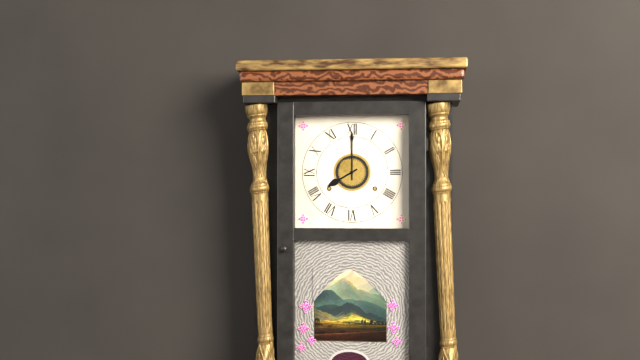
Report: **8:00**
